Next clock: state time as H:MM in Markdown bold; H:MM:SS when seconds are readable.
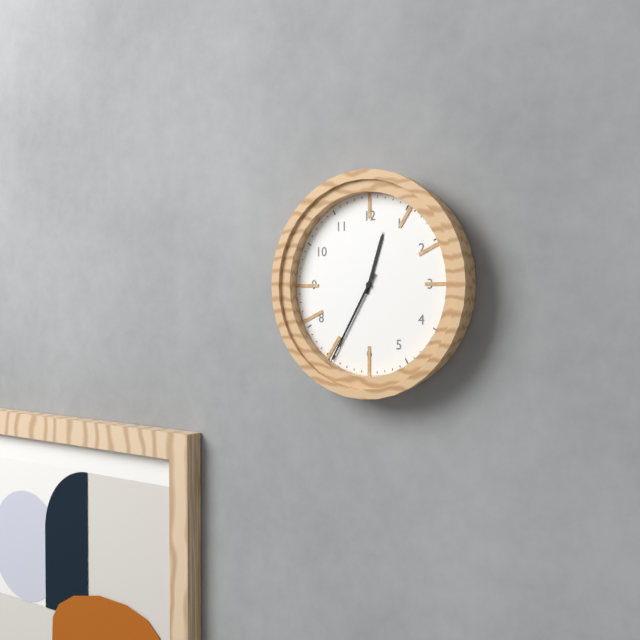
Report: **12:35**
